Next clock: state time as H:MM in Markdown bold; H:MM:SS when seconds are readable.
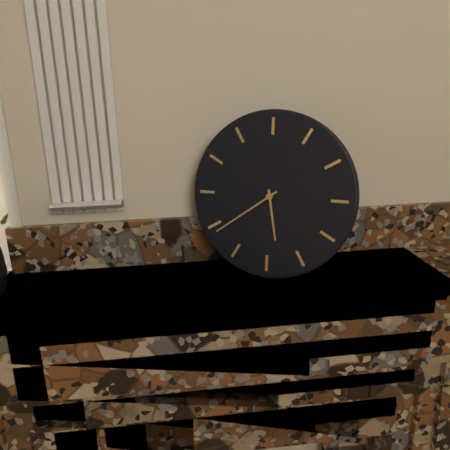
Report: **5:39**
